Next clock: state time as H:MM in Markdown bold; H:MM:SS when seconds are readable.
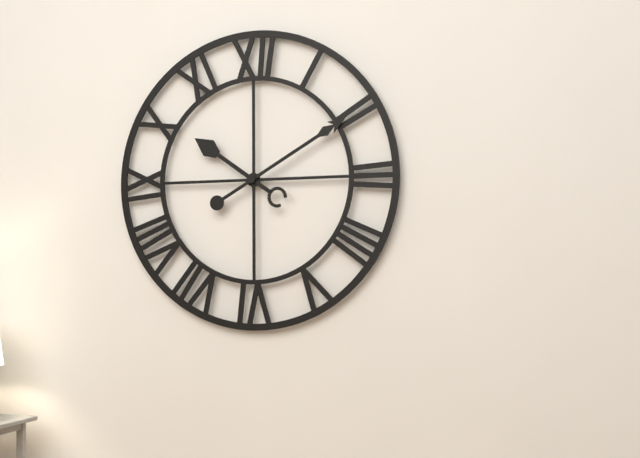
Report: **10:10**
